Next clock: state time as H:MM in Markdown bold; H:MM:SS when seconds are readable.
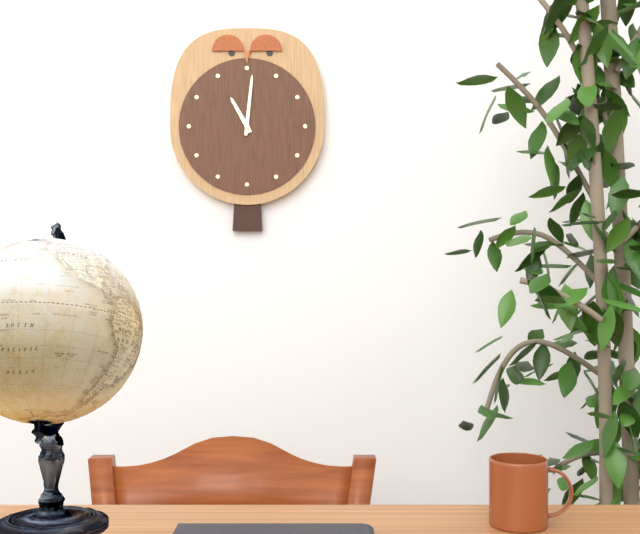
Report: **11:01**
